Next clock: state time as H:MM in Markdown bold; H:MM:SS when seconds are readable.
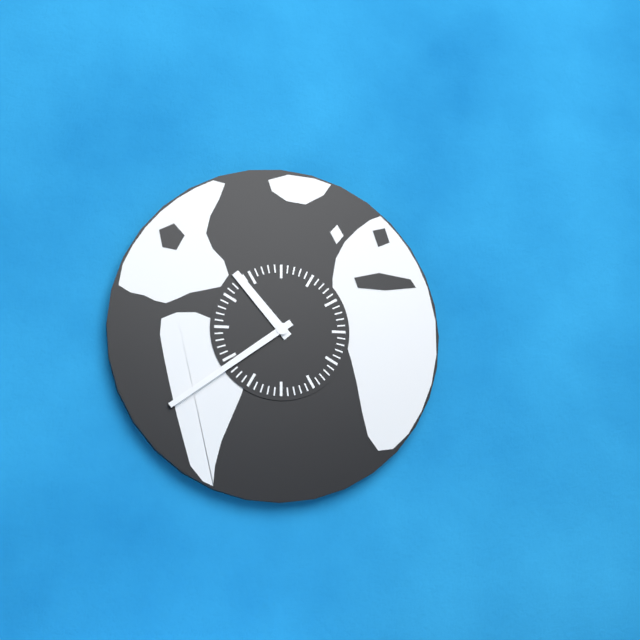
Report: **10:39**
